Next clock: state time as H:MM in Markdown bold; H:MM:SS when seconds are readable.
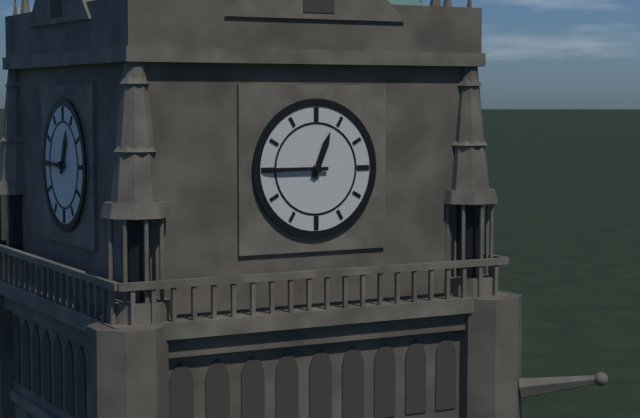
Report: **12:45**
